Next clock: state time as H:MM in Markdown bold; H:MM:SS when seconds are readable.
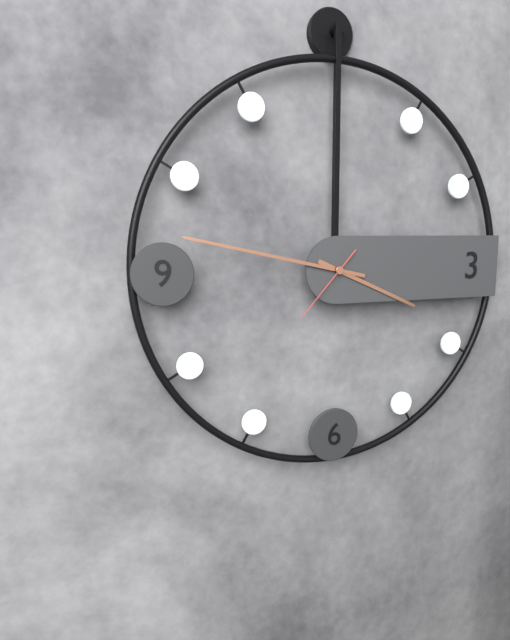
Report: **3:47:37**
